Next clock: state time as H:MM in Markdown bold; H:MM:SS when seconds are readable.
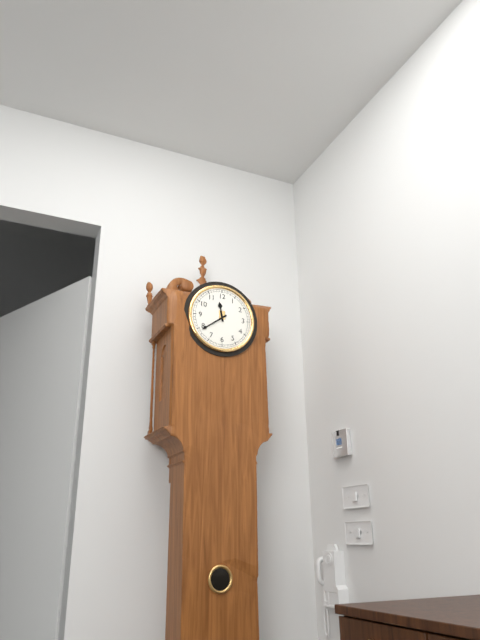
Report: **11:39**
